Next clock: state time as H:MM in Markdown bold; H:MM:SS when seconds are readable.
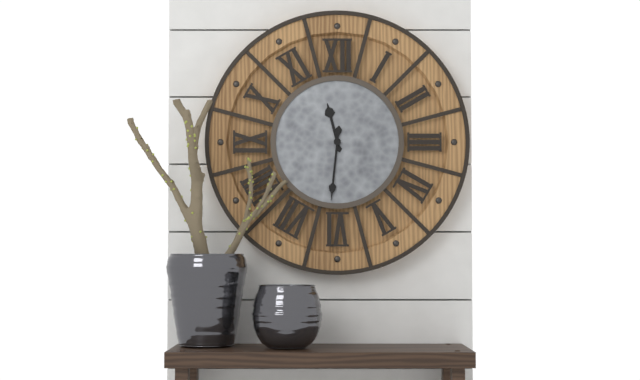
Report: **11:31**
